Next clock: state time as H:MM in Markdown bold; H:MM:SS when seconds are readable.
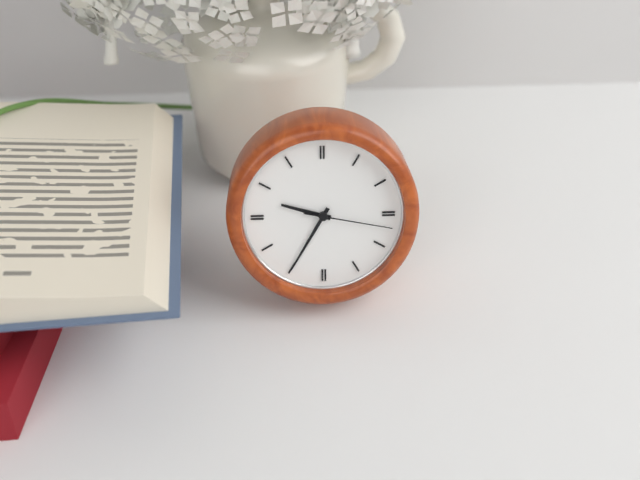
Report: **9:35:17**
